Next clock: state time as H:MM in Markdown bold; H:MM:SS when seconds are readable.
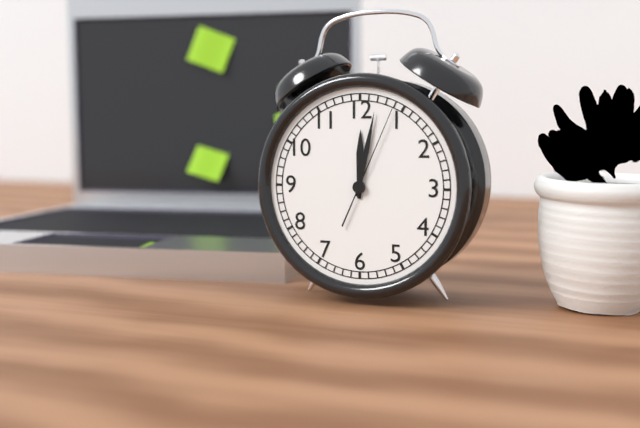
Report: **12:02:04**
